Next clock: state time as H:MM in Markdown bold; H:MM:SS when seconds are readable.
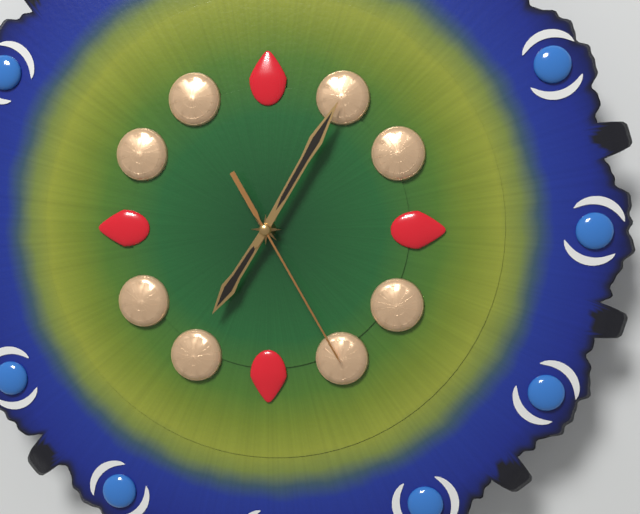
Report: **7:05:25**
